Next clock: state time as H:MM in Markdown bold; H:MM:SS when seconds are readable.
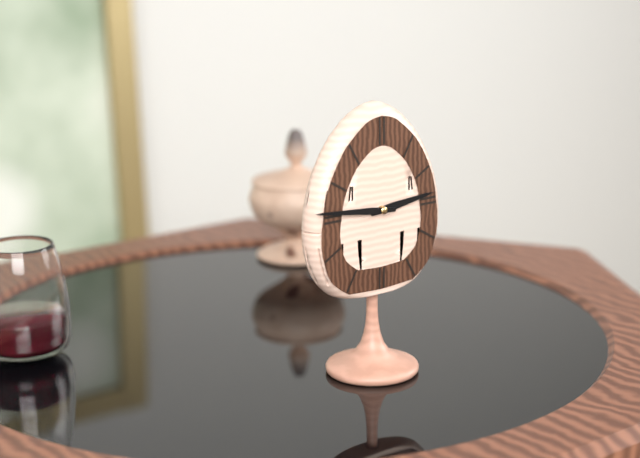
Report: **2:46**
